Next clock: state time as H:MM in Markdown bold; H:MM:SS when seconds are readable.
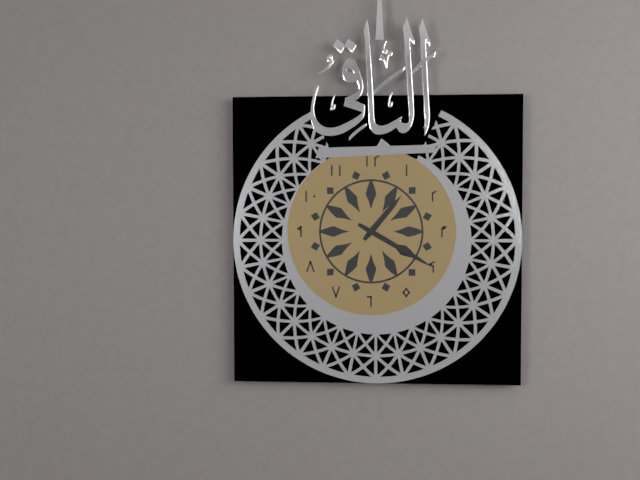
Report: **1:20**
